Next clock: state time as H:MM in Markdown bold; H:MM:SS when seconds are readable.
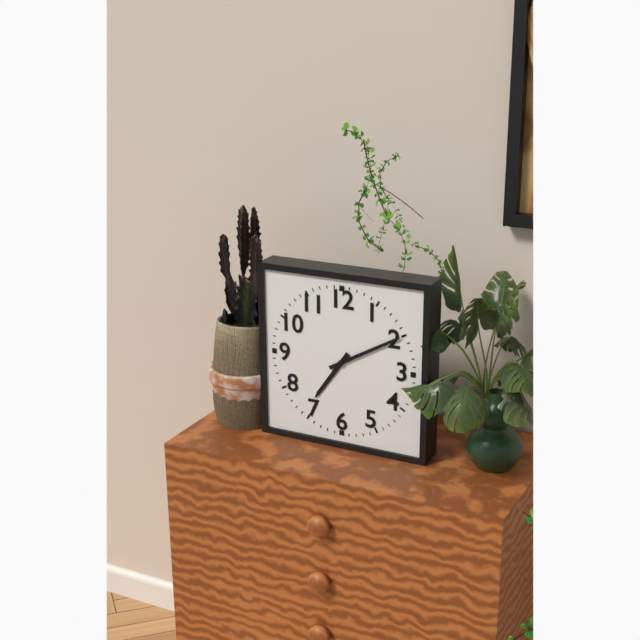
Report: **7:10**
